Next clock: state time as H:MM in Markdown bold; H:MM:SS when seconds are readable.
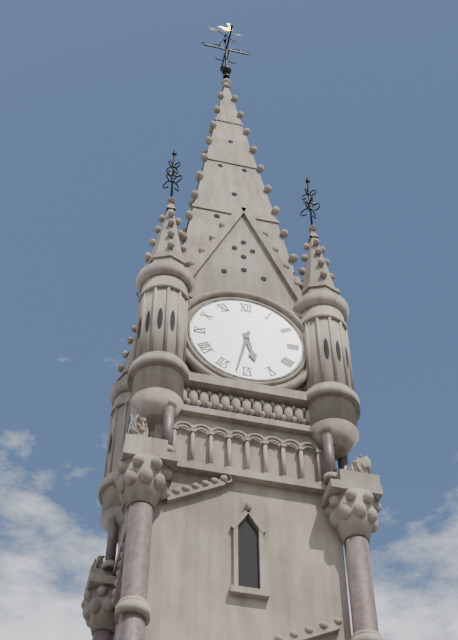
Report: **5:32**
